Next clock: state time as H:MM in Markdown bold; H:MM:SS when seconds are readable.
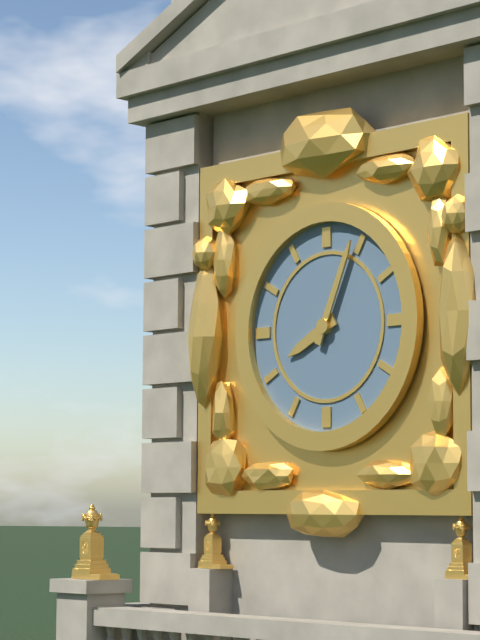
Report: **8:04**
